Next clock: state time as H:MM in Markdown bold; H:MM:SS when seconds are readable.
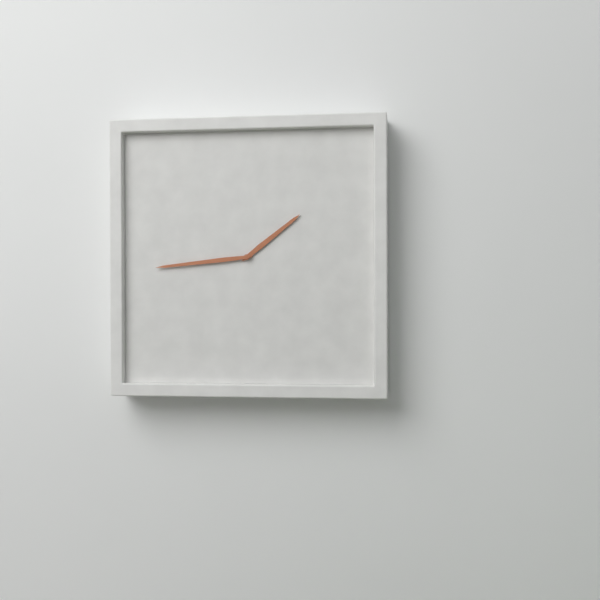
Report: **1:44**
